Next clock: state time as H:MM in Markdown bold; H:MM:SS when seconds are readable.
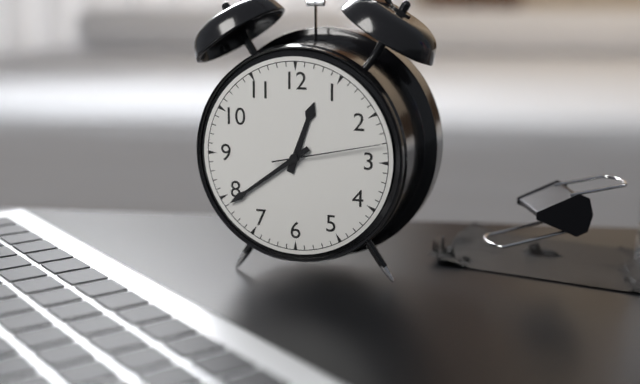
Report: **12:39:13**
